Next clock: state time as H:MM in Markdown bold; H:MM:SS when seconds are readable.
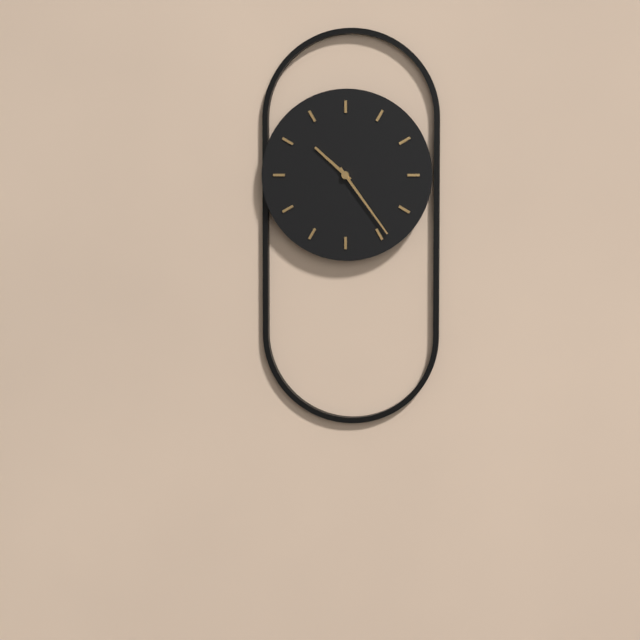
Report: **10:24**
